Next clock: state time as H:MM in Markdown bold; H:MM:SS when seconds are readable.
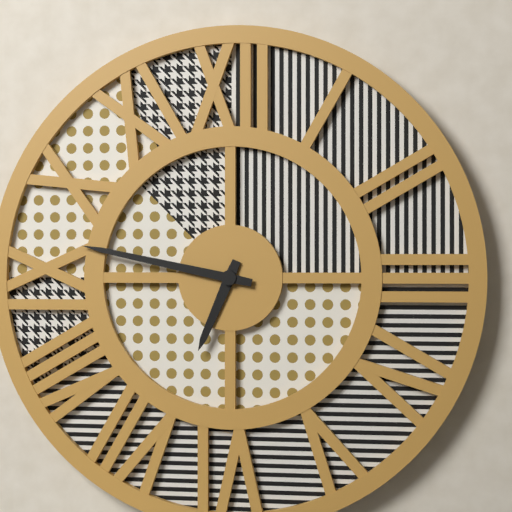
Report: **6:47**
